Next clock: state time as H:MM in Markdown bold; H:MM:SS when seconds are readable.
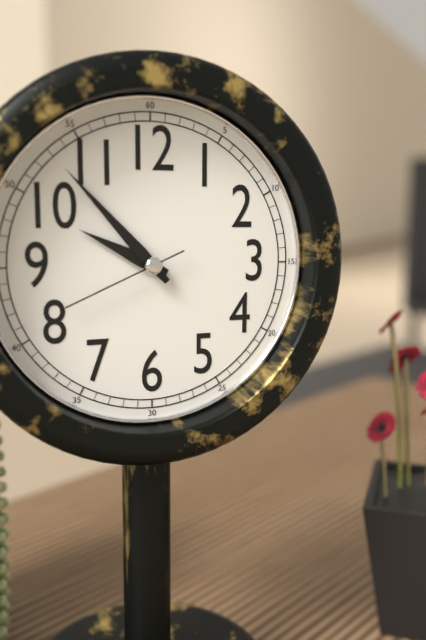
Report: **9:53:41**
